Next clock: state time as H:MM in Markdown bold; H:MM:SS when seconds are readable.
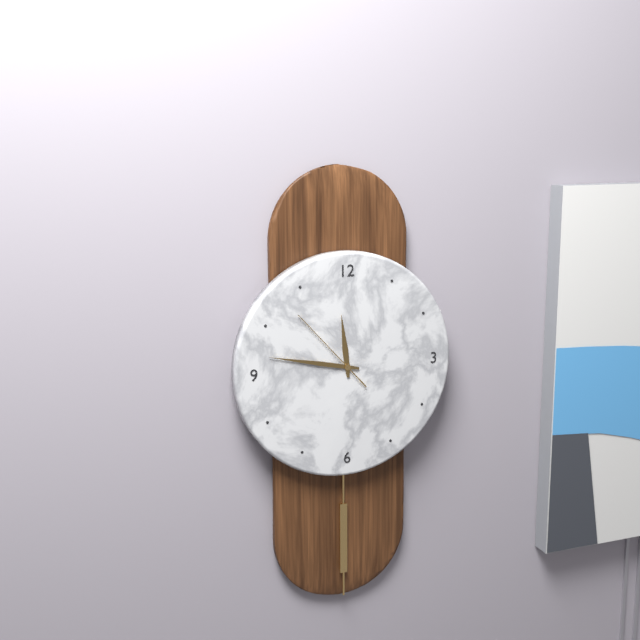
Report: **11:47:53**
